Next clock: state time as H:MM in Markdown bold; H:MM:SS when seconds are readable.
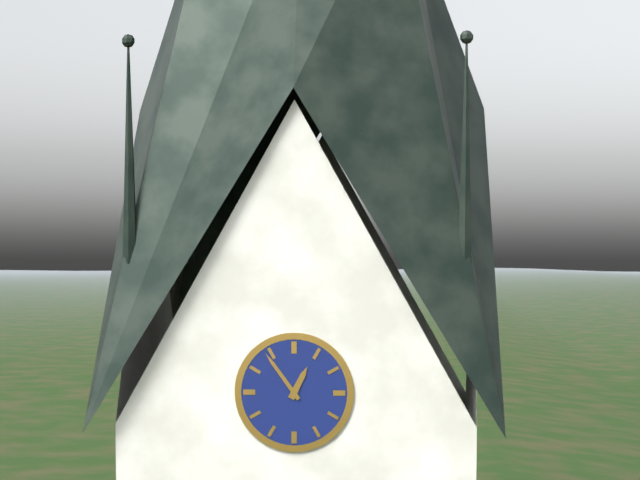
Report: **12:54**
